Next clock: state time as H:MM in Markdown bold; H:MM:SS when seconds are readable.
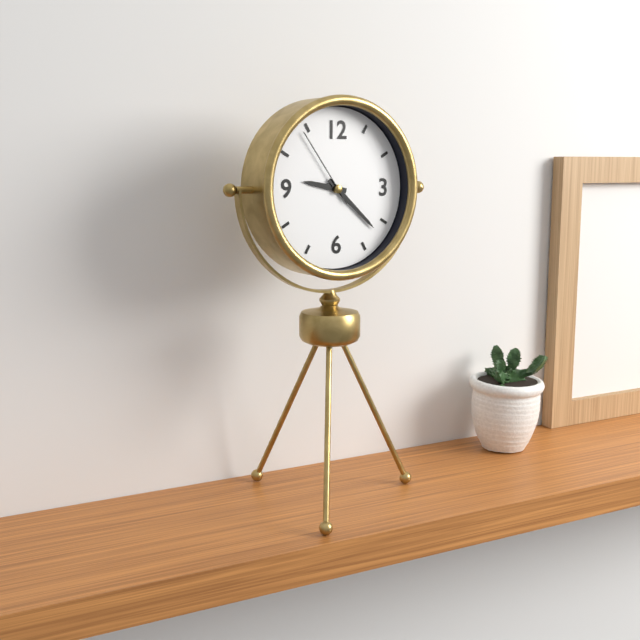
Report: **9:22:54**
